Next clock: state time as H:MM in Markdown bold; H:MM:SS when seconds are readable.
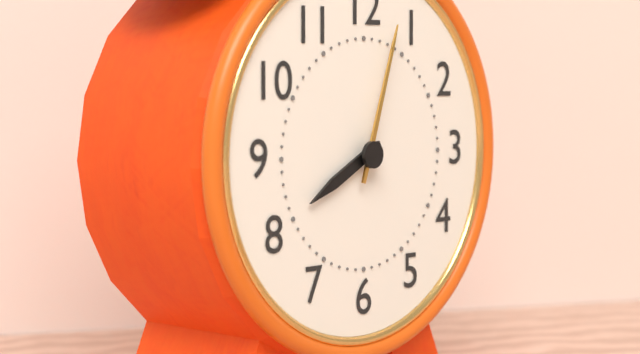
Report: **8:03**
